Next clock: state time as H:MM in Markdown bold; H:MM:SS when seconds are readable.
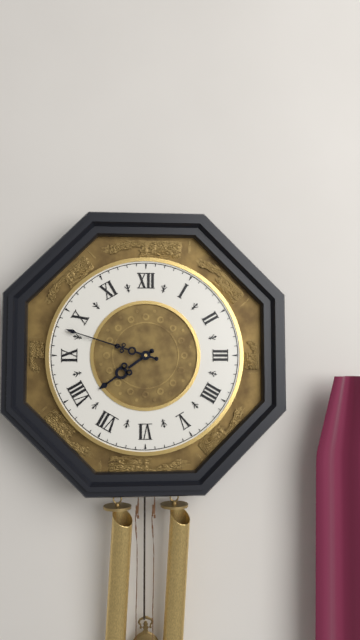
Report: **7:48**
